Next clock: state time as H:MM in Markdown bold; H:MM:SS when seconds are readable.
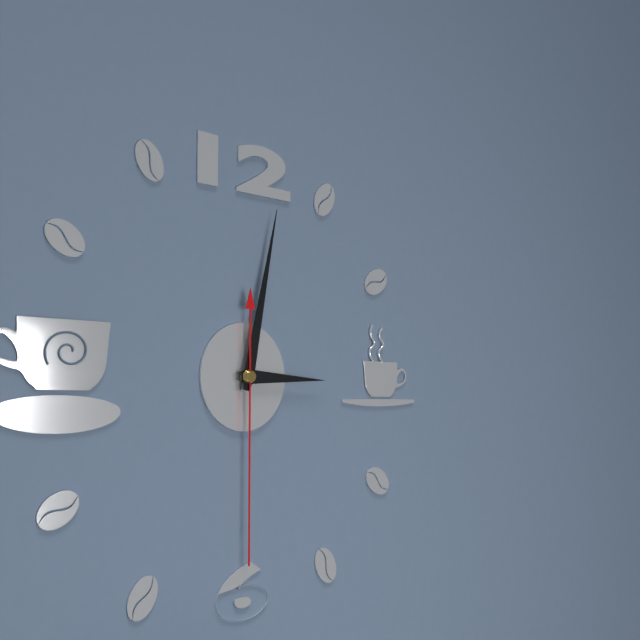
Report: **3:02:30**
